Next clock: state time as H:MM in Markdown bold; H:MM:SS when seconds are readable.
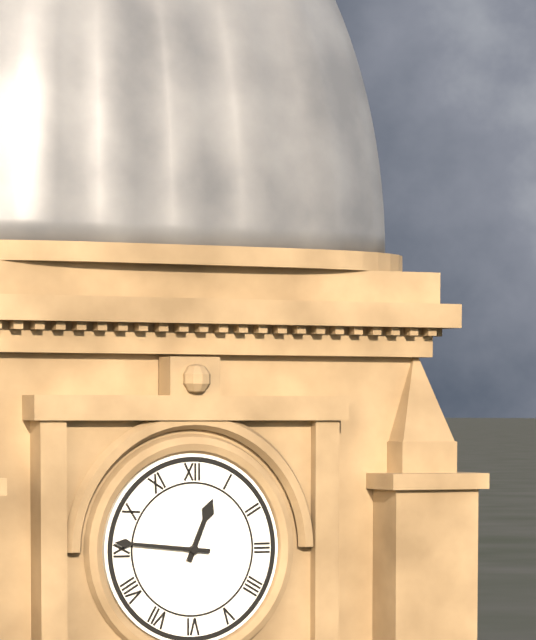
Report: **12:46**
